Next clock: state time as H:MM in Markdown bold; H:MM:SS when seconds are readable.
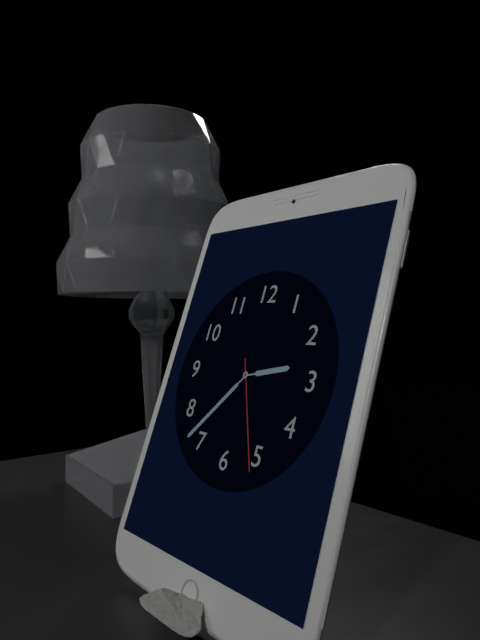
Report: **2:37:26**
